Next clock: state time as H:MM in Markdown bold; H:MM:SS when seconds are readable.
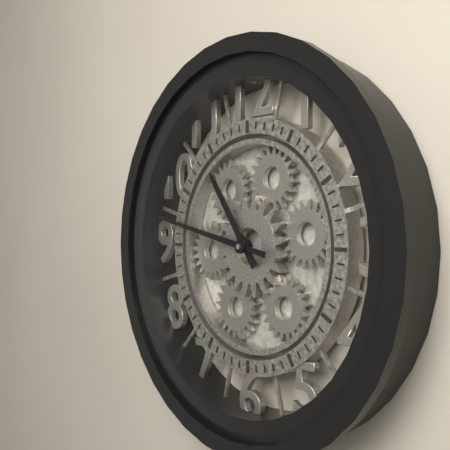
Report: **10:47**
